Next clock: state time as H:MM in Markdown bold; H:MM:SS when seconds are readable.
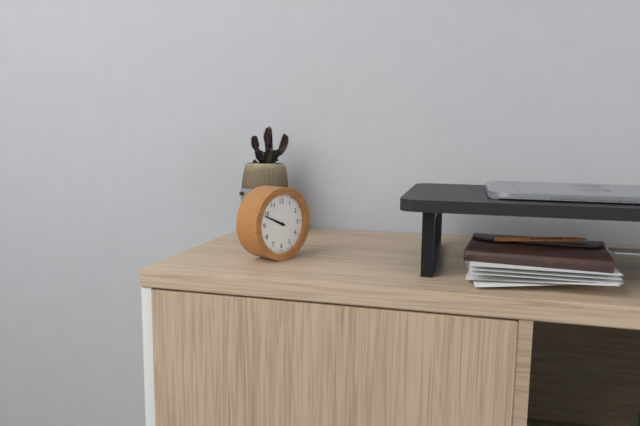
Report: **9:49**
